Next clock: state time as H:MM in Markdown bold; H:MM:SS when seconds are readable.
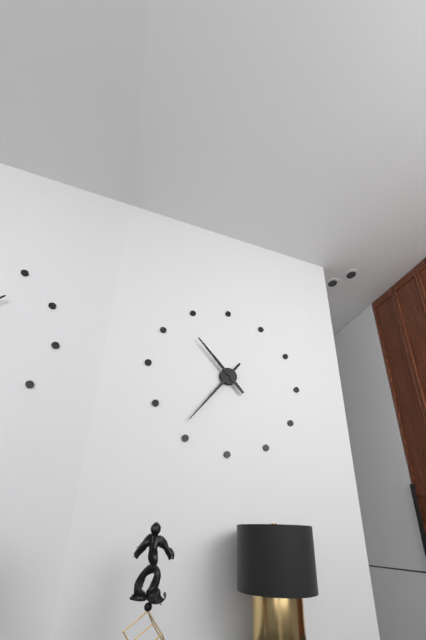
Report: **10:36**
